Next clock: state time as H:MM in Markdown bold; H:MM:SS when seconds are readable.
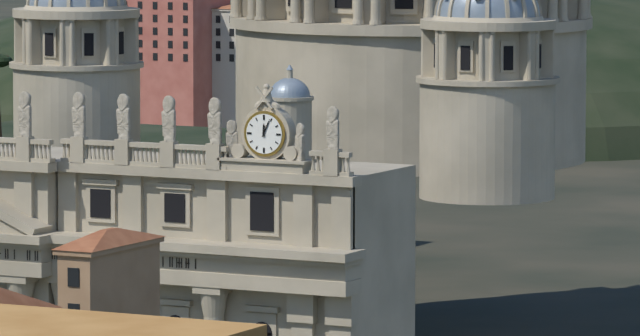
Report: **12:04**
